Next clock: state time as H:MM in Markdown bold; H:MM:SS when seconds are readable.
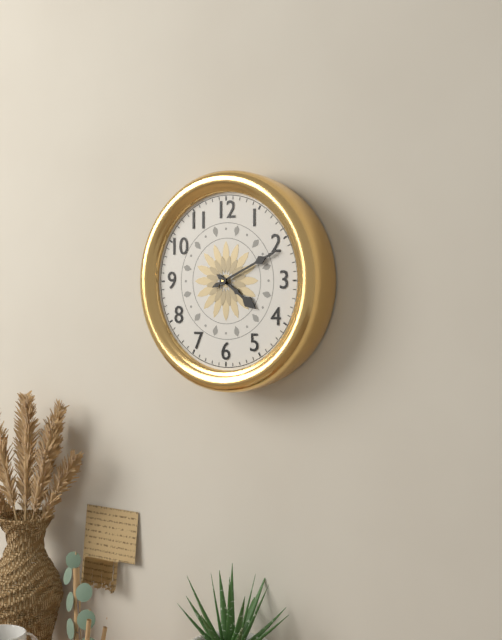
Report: **4:11**
